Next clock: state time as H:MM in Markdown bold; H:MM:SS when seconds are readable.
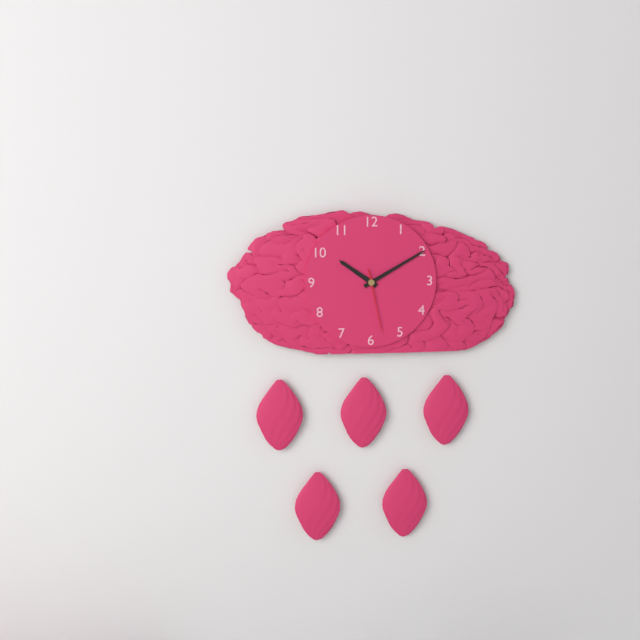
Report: **10:10:28**
